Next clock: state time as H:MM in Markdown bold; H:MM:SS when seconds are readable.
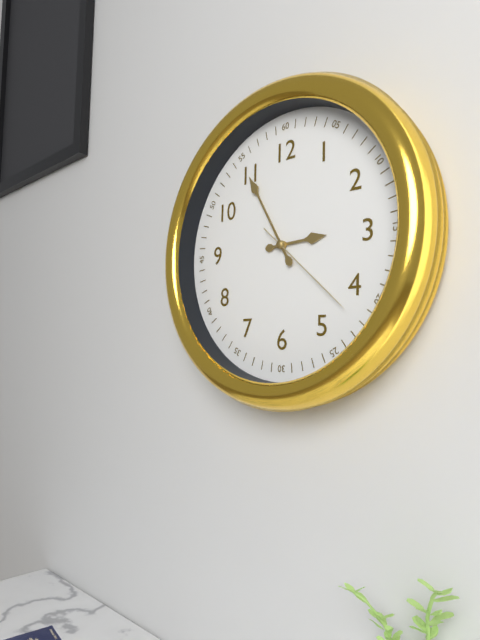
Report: **2:55:22**
